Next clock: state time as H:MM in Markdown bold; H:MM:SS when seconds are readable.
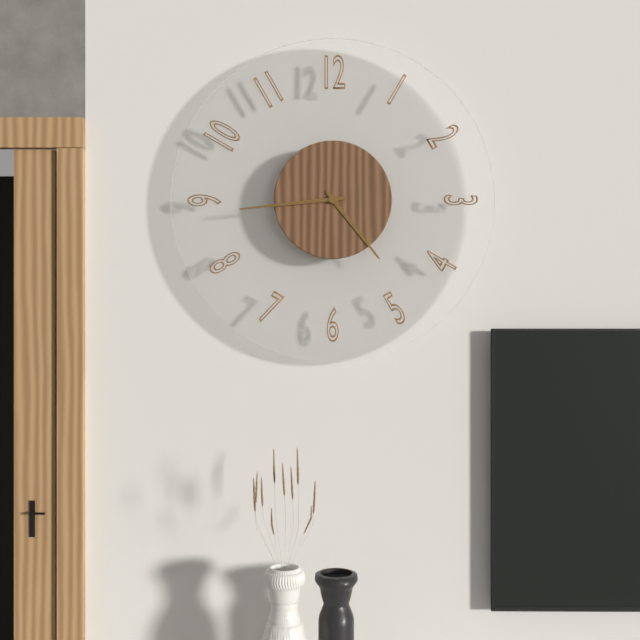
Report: **4:44**
